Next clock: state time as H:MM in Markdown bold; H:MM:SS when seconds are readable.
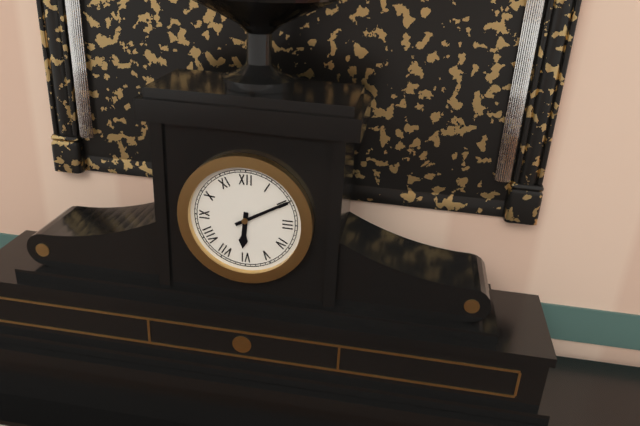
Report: **6:10**
